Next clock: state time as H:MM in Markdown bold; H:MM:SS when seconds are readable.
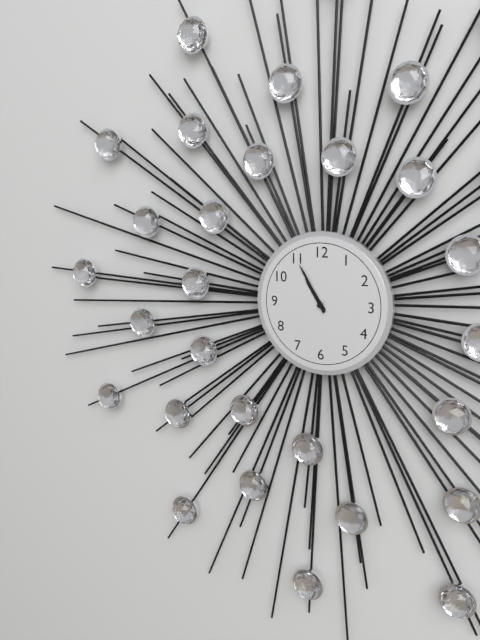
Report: **10:55**
